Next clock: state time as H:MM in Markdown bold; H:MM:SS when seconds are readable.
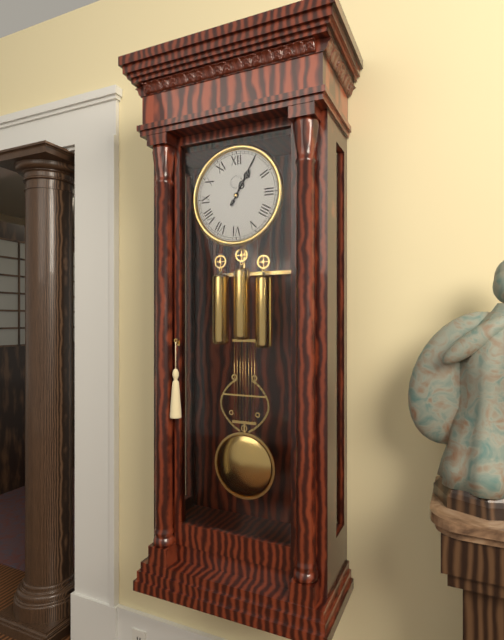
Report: **1:05**
